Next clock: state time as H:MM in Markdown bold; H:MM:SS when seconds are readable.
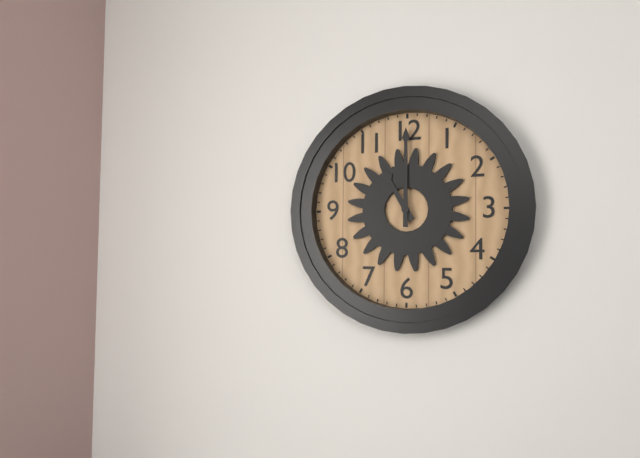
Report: **11:00**
